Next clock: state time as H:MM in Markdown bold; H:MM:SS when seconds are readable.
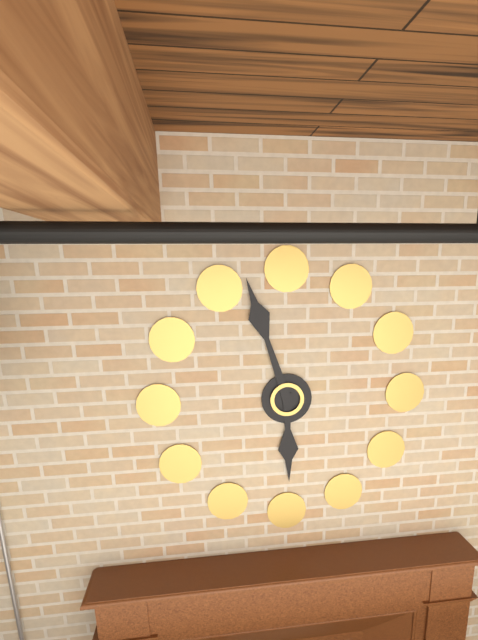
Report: **5:57**
